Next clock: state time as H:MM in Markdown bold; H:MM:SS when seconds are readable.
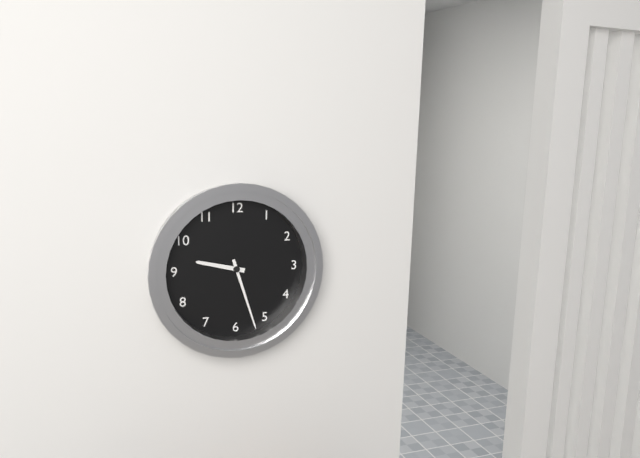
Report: **9:27**
